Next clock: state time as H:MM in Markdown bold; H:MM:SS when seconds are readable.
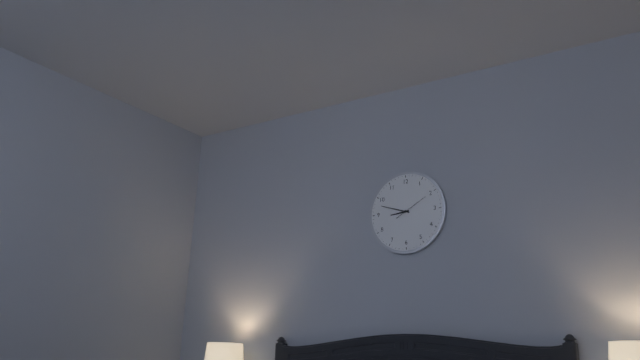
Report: **8:48**
